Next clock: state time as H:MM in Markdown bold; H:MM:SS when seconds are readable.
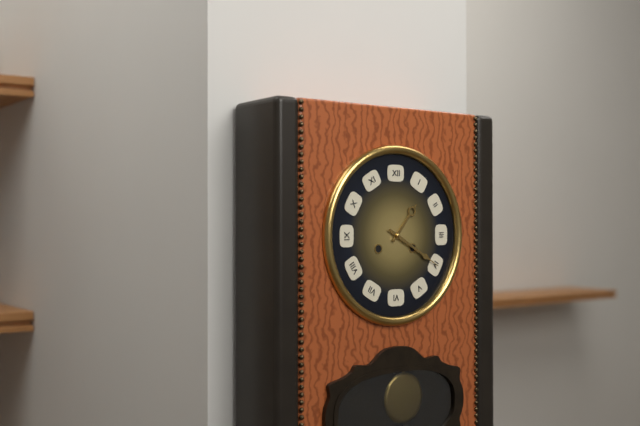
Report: **1:20**
